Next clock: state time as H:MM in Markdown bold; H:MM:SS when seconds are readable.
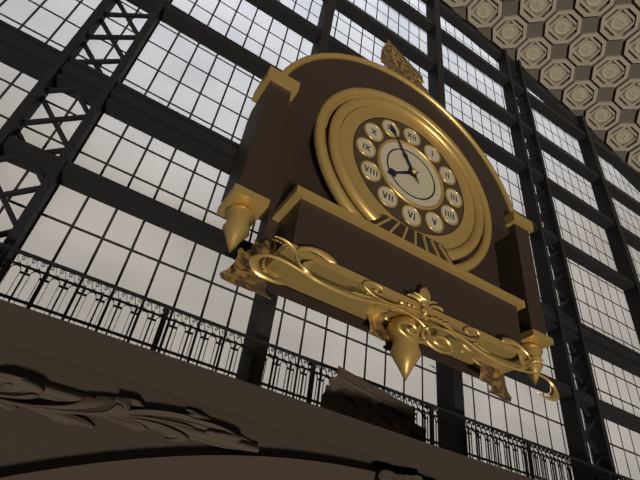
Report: **7:55**
